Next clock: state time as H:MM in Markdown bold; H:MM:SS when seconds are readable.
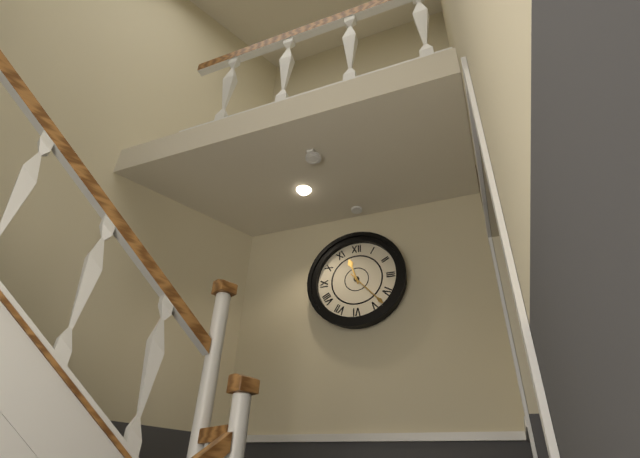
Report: **11:23**
